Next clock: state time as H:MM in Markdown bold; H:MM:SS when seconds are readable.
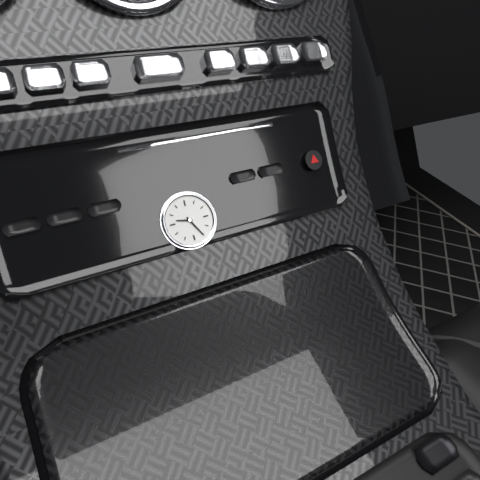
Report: **9:25**
